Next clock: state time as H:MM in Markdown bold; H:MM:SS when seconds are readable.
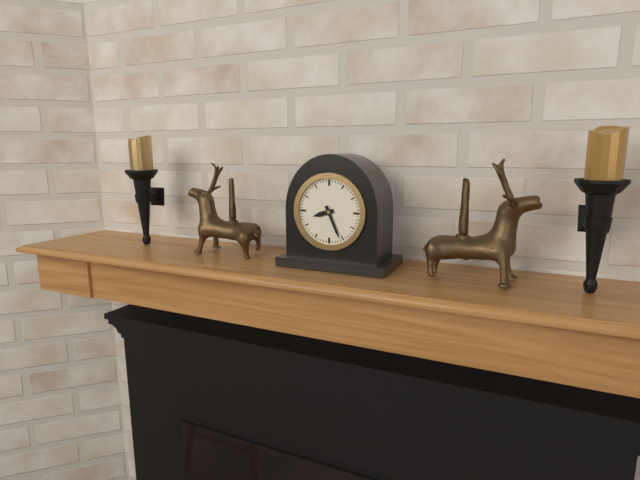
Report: **8:26**
